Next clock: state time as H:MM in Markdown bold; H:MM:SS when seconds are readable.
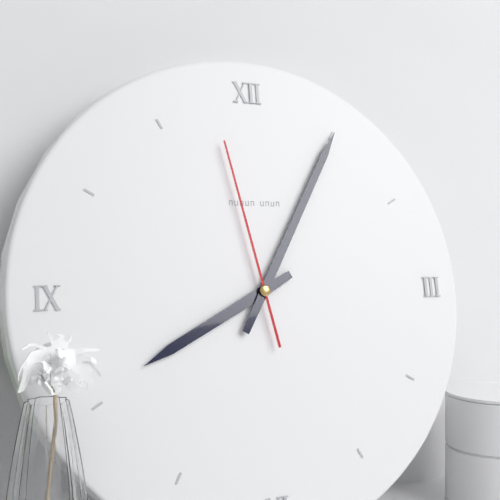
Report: **8:05:58**
